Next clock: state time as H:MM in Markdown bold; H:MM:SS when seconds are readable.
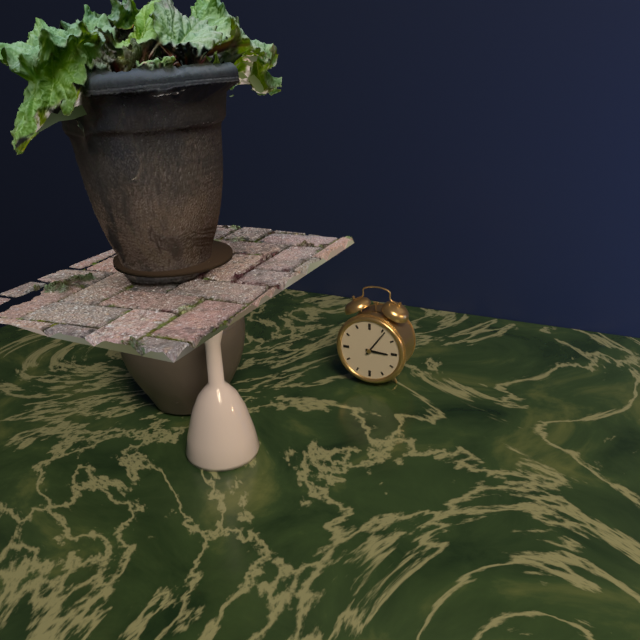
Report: **3:06**
